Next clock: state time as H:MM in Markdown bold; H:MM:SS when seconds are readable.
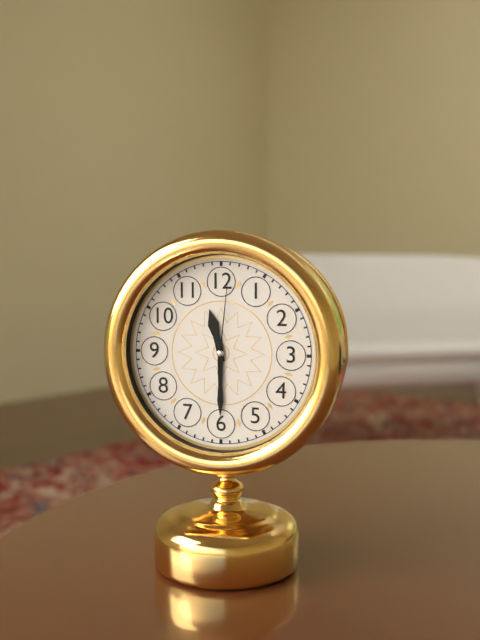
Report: **11:30:01**
